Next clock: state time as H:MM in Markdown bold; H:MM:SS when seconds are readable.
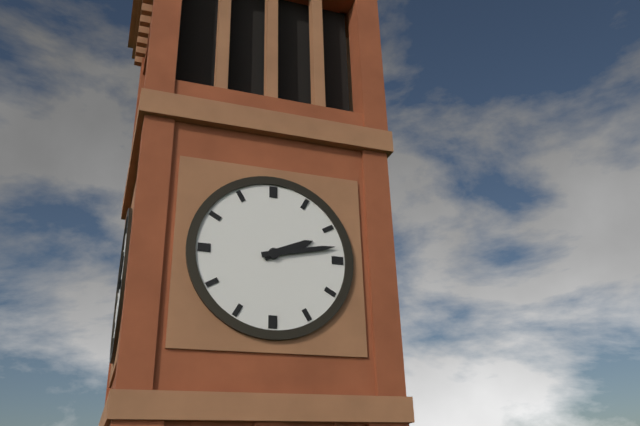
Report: **2:13**
